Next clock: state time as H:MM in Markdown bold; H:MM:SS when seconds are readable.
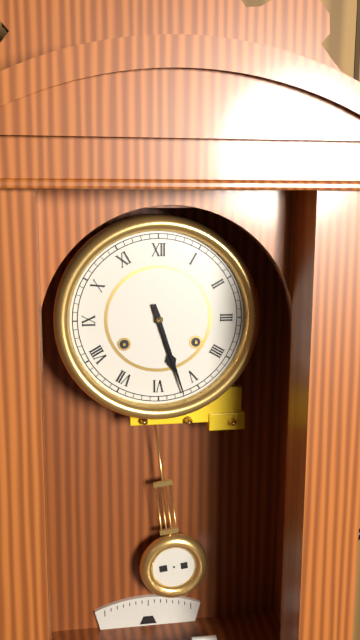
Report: **5:27**
